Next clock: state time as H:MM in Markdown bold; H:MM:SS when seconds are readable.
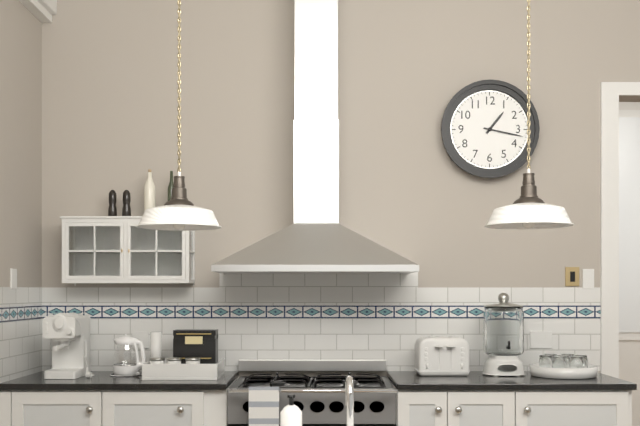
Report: **1:17**
